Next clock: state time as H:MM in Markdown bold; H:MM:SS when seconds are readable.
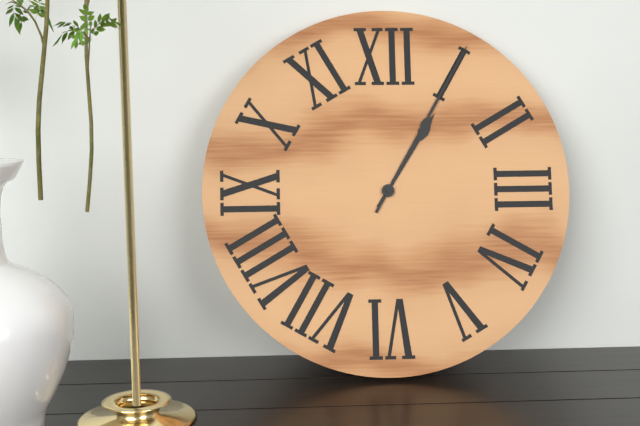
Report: **1:05**
